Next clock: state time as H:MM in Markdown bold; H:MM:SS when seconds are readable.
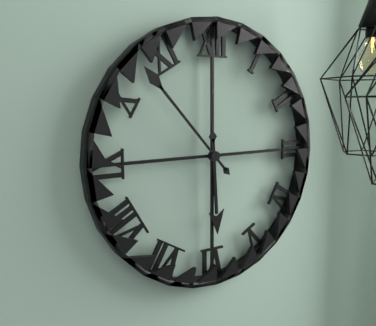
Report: **5:53**
